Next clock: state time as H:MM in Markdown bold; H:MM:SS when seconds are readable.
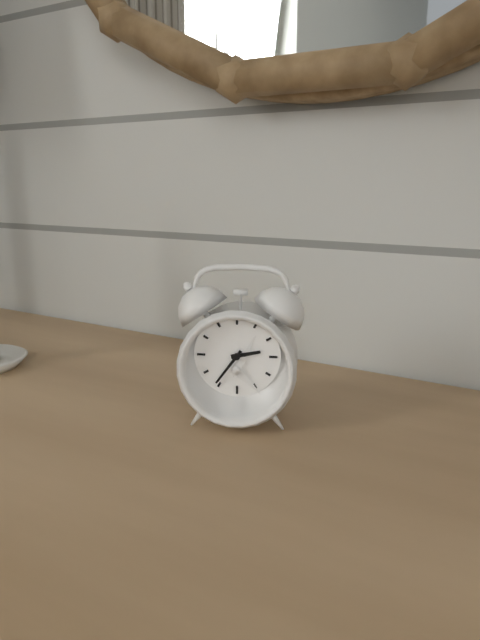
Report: **2:36**
